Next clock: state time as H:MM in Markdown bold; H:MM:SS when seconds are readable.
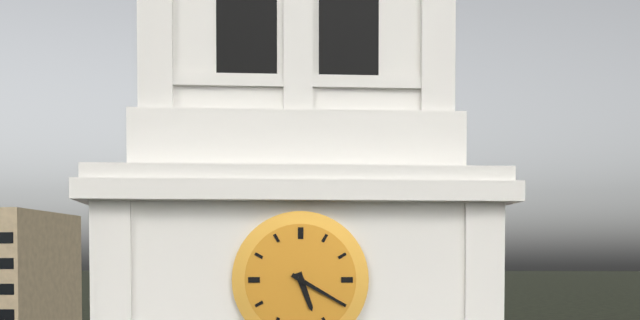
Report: **5:20**
